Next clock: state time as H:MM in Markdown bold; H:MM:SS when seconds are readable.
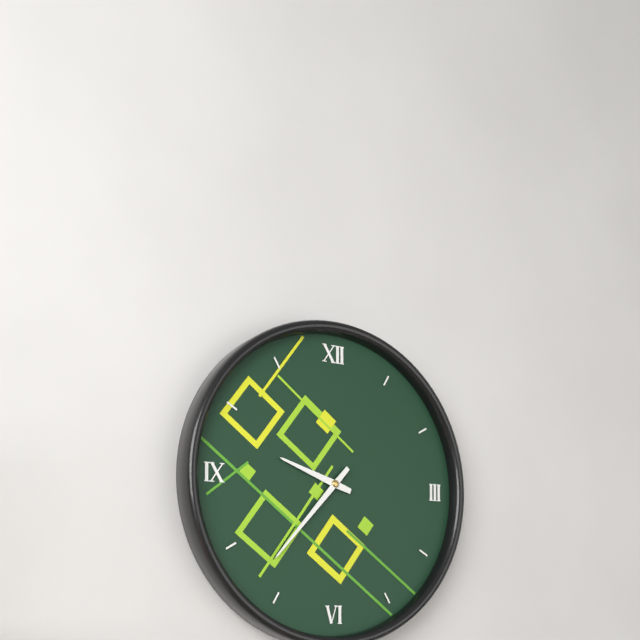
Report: **9:37**
